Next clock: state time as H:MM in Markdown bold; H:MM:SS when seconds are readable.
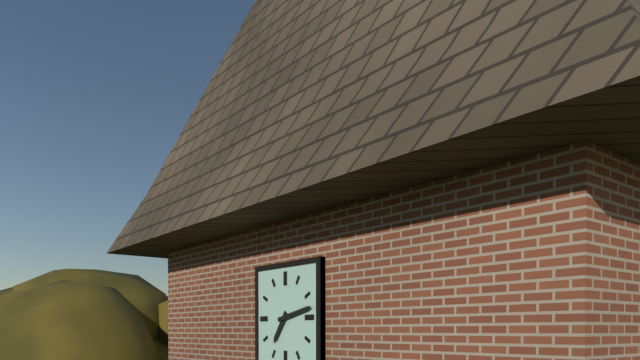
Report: **7:13**
